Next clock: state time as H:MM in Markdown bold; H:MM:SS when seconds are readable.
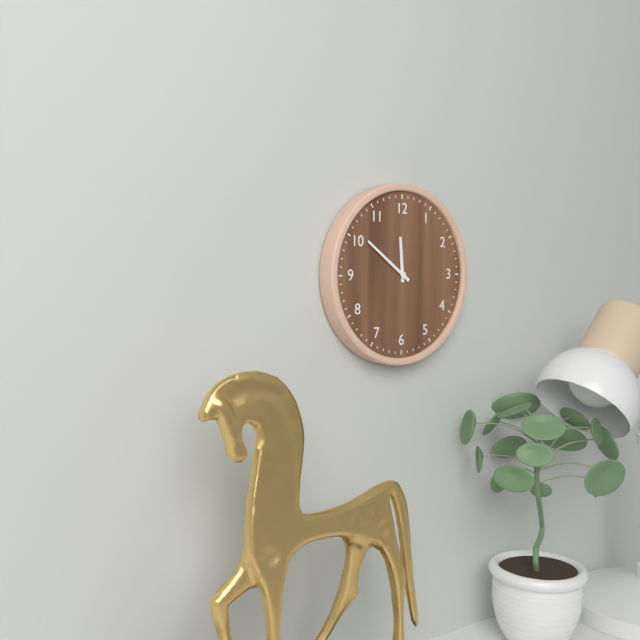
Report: **11:51**
